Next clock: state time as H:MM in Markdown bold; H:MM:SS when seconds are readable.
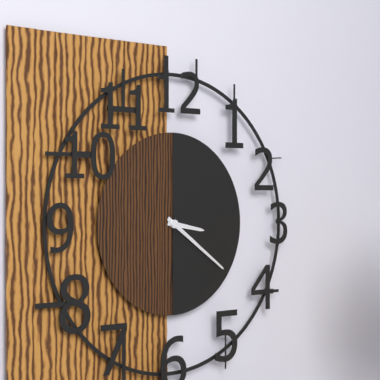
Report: **3:21**
